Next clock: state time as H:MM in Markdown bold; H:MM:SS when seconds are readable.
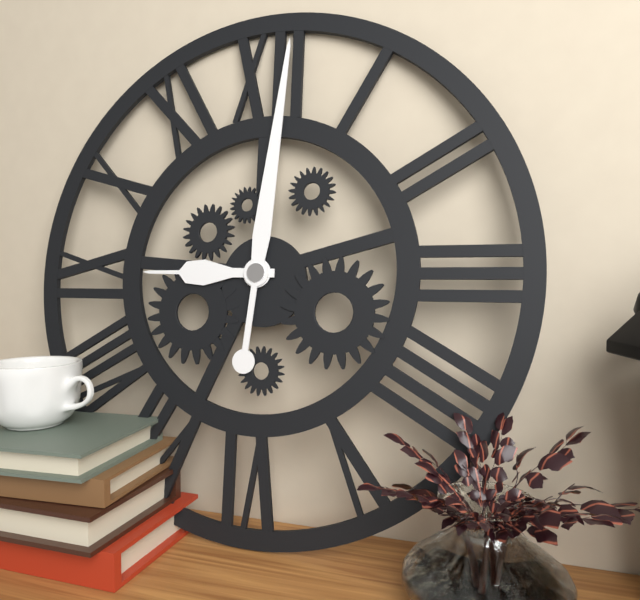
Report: **9:01**
